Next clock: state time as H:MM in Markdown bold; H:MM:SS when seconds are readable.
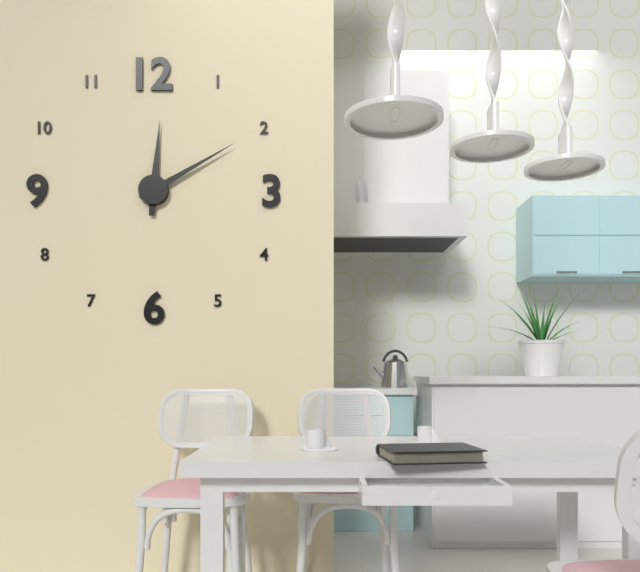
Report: **12:10**
